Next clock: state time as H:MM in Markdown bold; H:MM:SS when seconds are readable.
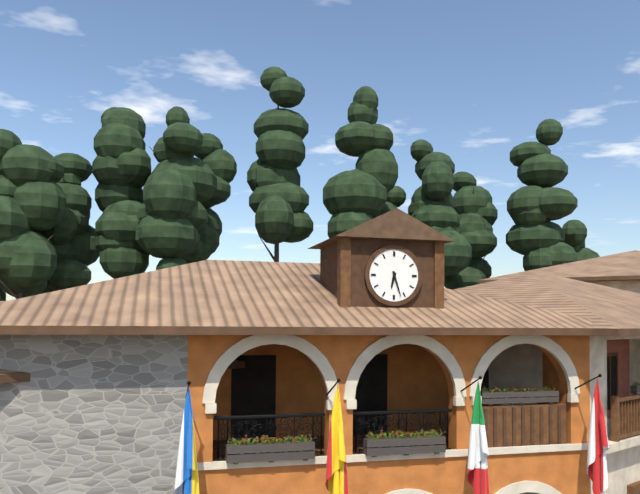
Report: **6:27**
